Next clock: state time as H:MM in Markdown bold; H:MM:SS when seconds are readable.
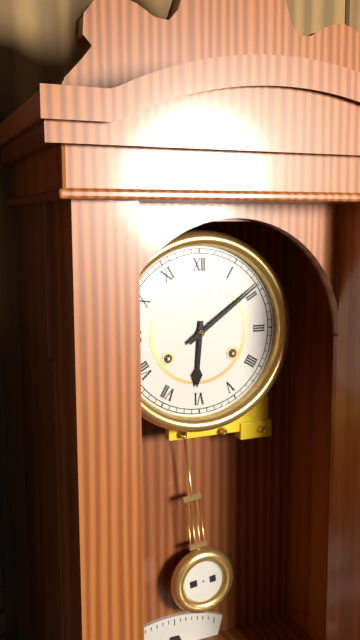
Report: **6:09**
